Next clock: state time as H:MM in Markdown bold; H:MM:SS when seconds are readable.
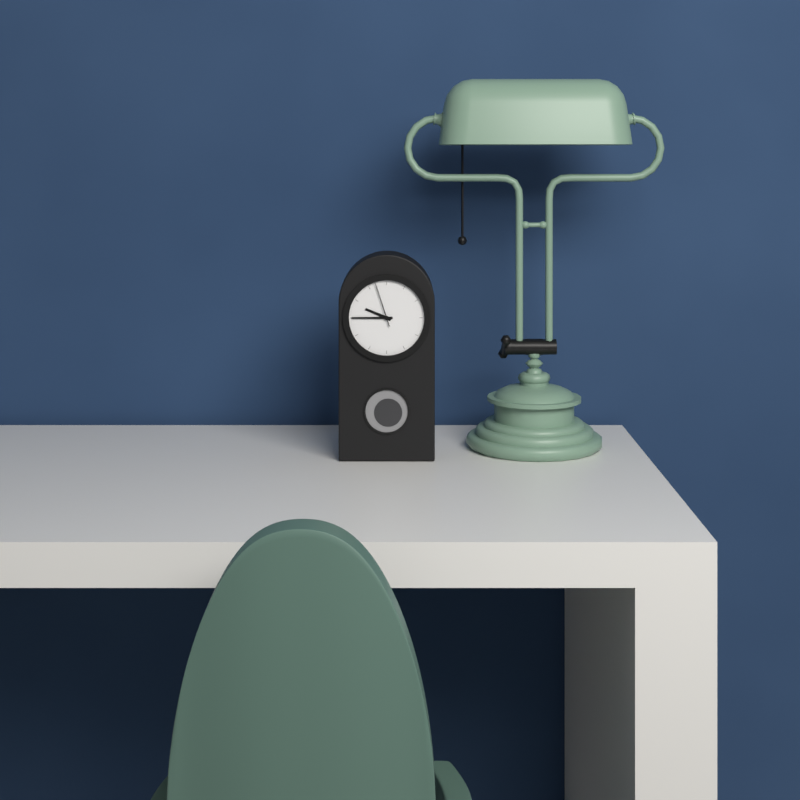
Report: **9:45**
